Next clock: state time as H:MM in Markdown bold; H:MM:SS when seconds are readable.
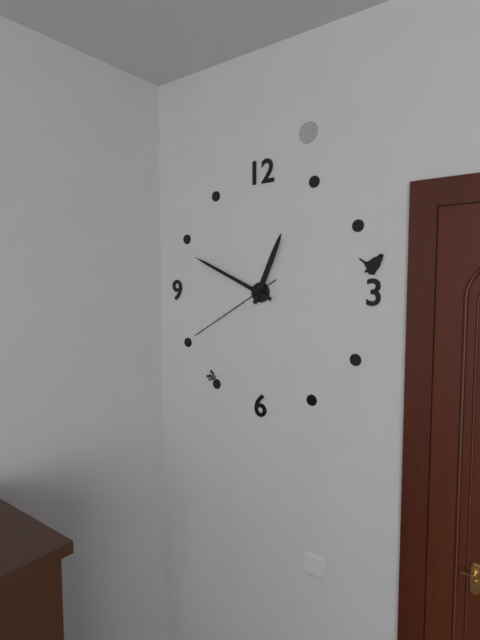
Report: **12:49:40**
